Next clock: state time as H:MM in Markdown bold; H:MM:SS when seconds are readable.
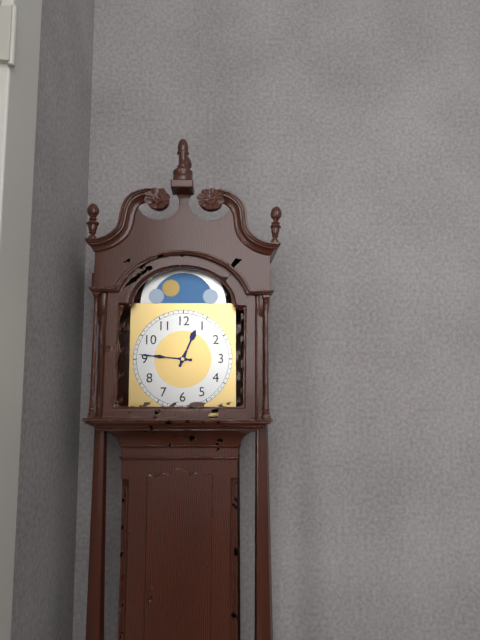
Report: **12:46**
